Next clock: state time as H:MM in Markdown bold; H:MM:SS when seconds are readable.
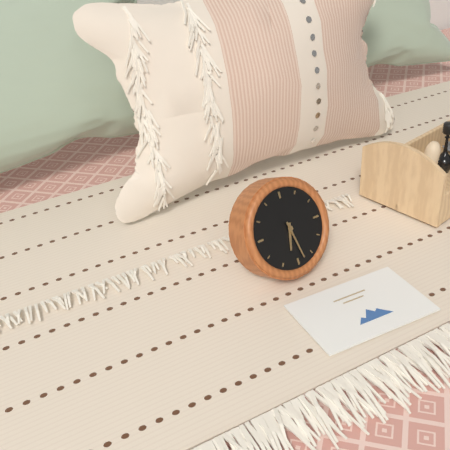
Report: **6:28**
